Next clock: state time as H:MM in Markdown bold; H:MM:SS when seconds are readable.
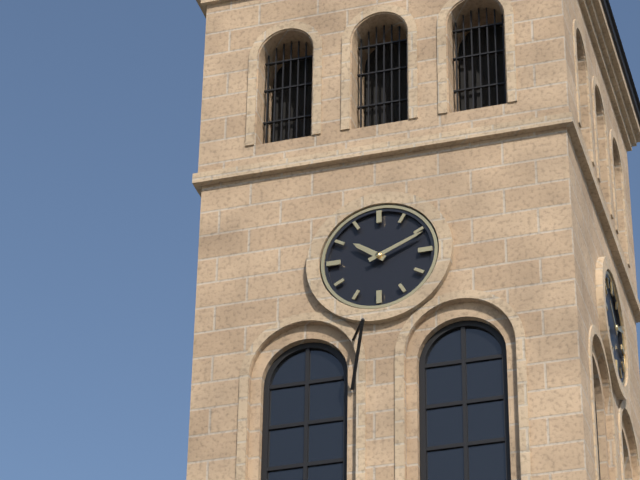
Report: **10:11**
